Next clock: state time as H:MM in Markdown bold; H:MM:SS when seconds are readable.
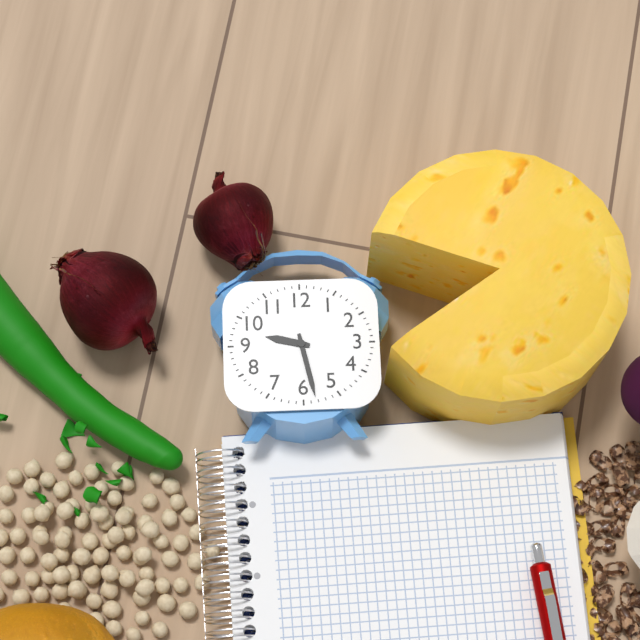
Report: **9:28**
